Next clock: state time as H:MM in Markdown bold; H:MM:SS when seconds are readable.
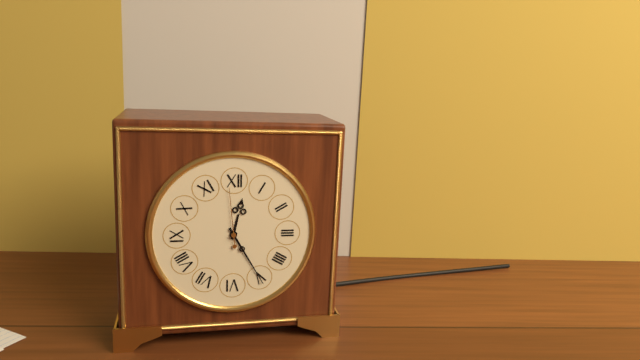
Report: **12:25:59**
